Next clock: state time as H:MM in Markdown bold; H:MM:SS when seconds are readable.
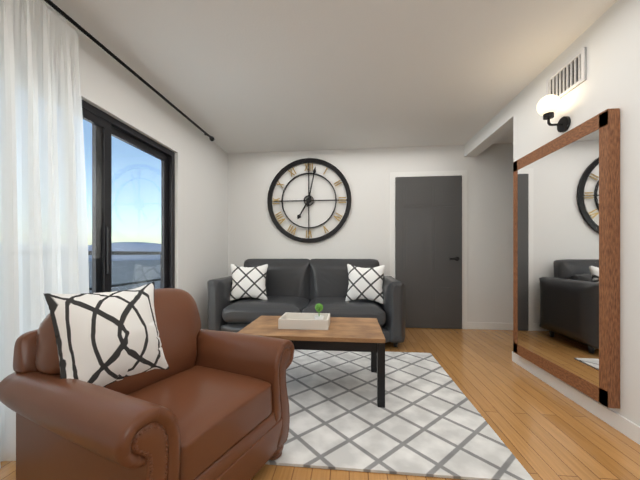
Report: **7:02**
